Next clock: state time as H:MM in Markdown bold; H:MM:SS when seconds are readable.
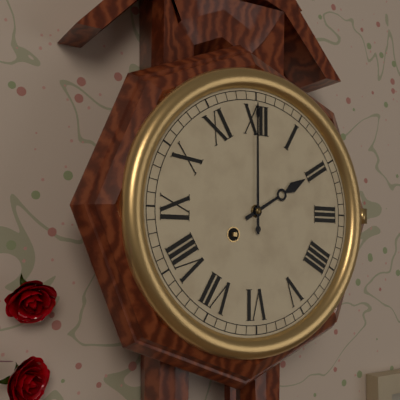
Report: **2:00**
